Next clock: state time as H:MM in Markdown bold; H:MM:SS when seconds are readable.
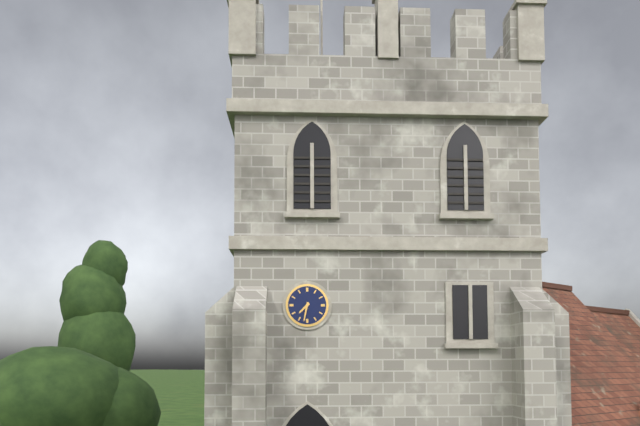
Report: **7:32**
